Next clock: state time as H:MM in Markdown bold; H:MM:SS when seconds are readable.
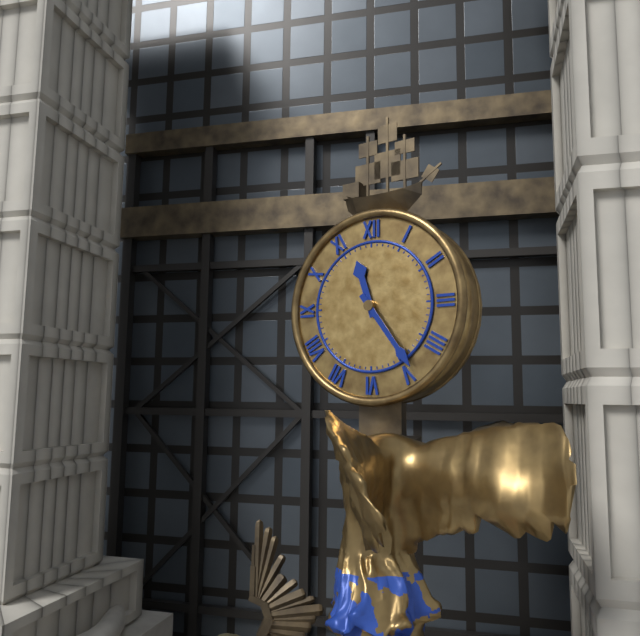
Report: **11:24**
